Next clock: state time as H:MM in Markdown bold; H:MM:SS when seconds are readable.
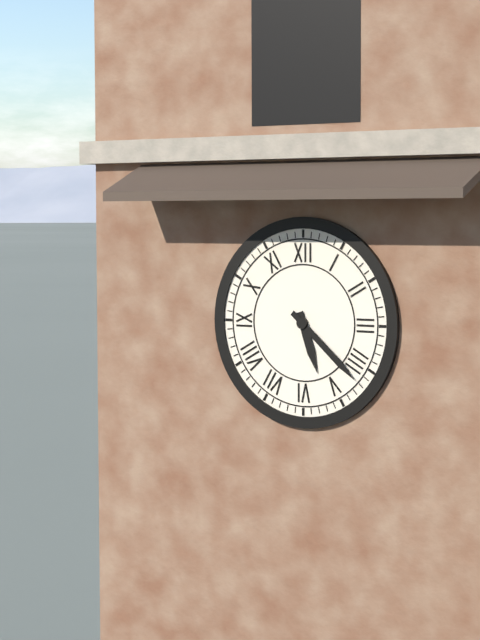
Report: **5:22**
